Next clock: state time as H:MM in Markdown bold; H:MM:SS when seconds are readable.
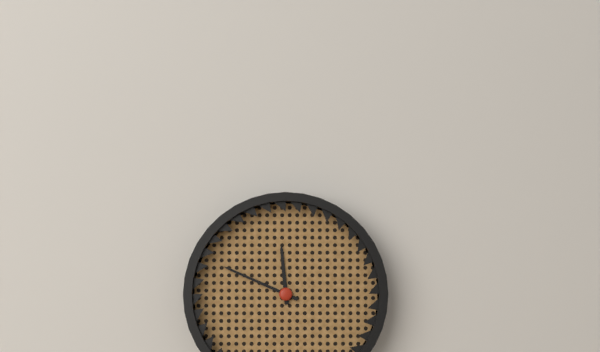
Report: **11:49**
